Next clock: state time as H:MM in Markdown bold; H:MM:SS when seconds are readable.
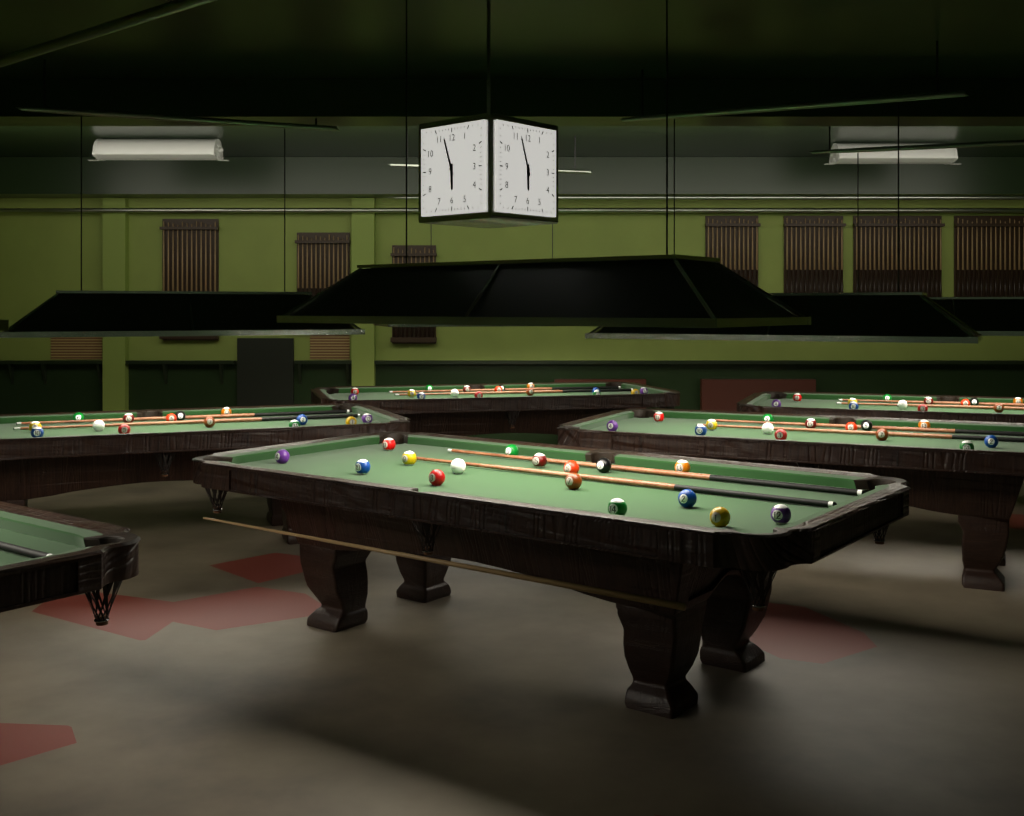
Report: **5:57**
